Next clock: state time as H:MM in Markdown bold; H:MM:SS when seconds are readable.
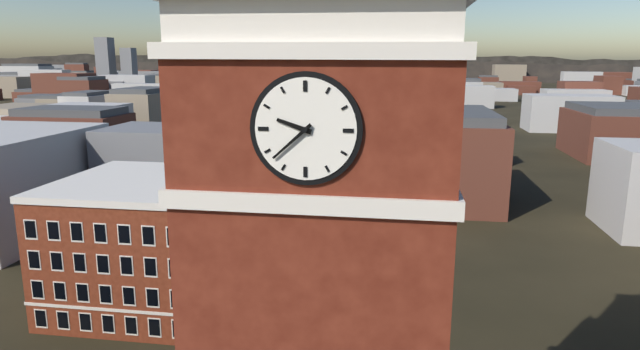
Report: **9:38**
